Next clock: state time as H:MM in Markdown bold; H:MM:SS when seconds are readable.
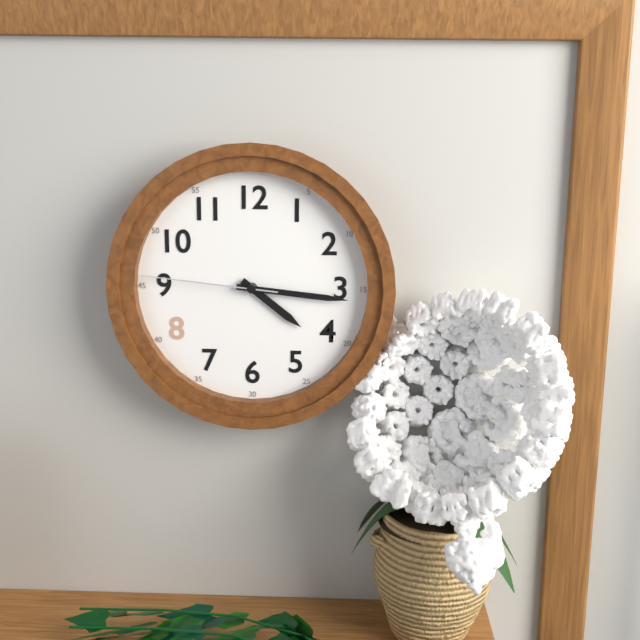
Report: **4:16:46**
